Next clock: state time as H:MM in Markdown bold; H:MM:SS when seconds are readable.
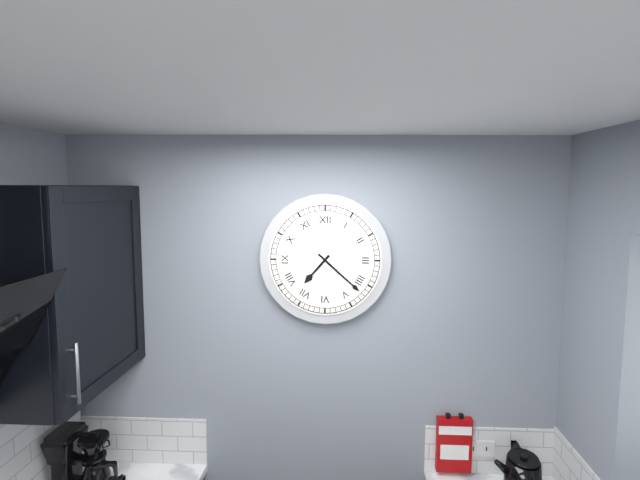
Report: **7:22**
